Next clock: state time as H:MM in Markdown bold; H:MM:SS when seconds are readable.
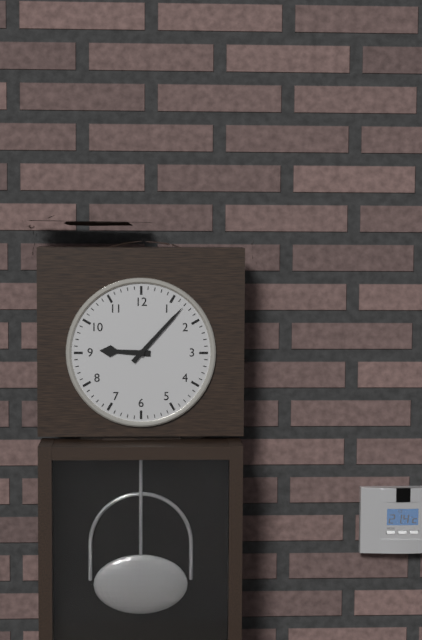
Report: **9:07**
